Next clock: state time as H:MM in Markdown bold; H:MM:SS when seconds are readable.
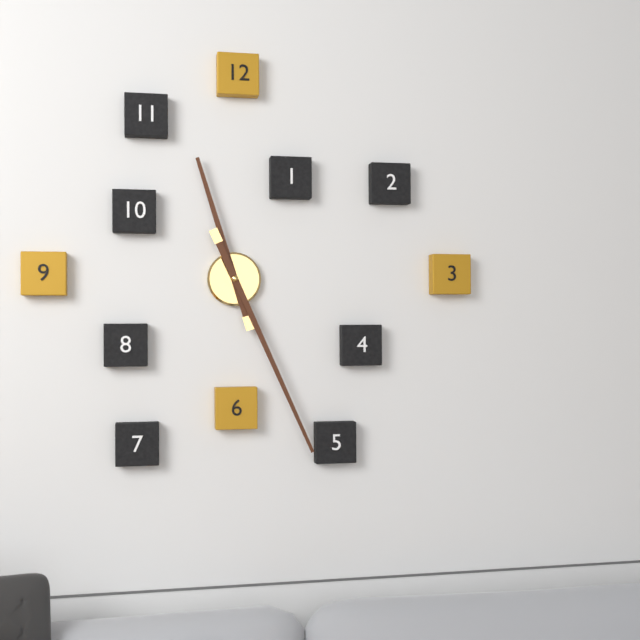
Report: **11:26**
